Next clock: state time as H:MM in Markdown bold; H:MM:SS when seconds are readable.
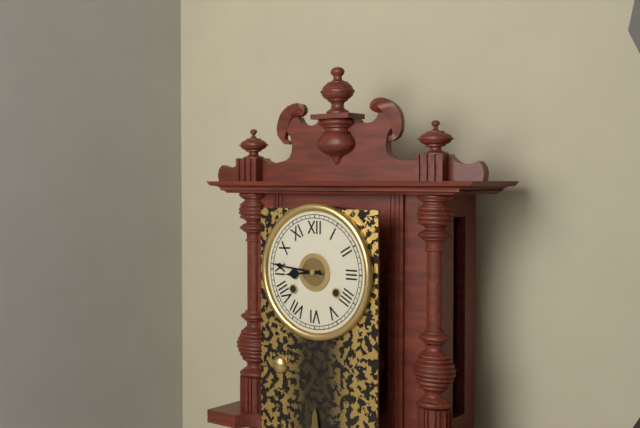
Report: **8:46**
